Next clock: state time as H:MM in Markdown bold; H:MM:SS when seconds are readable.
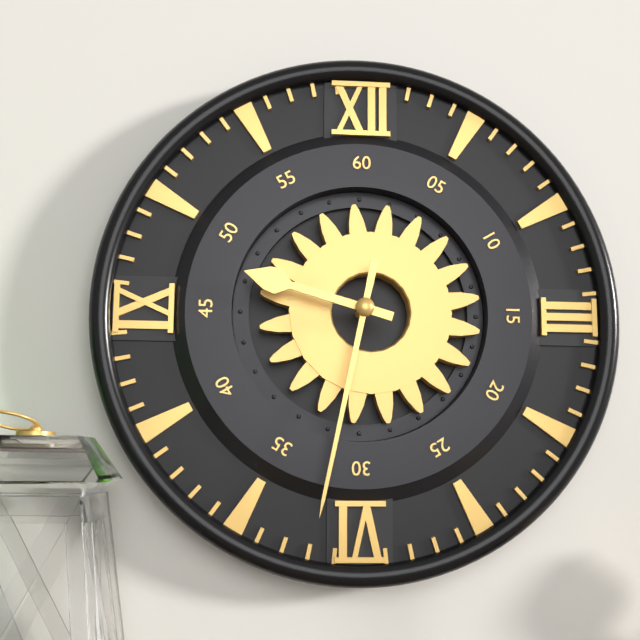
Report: **9:32**
